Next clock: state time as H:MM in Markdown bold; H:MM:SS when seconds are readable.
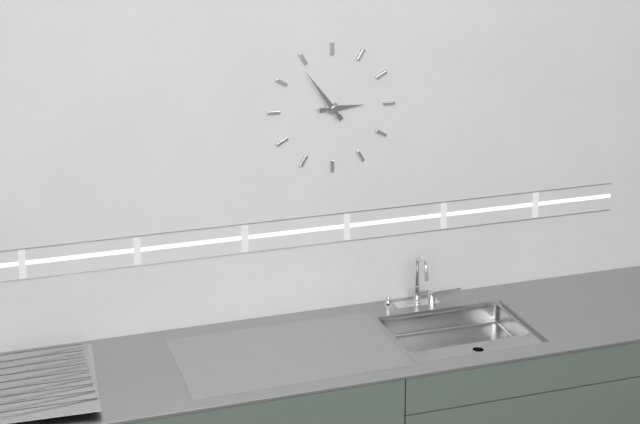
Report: **2:54**
